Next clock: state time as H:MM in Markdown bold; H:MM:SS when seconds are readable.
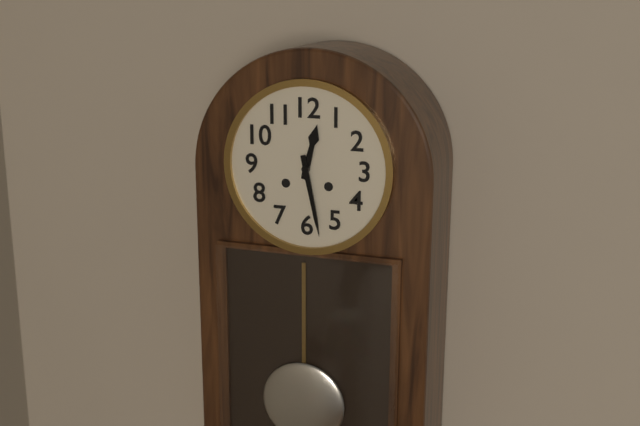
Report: **12:28**
